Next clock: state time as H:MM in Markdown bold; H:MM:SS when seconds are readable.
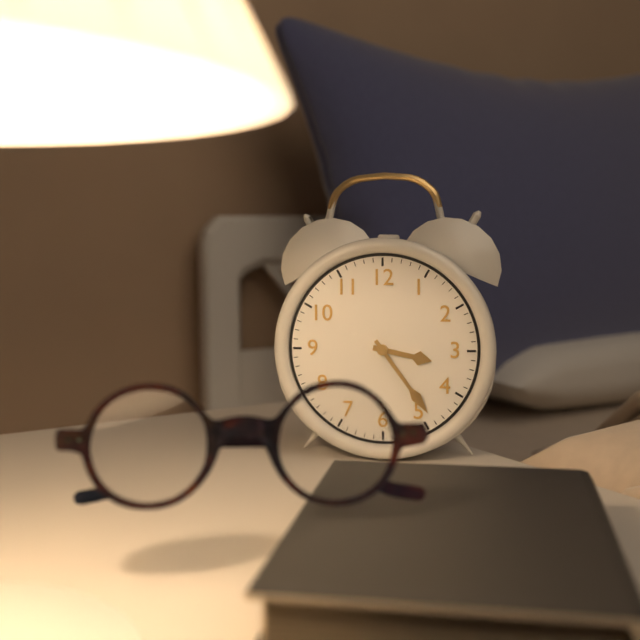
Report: **3:24**
